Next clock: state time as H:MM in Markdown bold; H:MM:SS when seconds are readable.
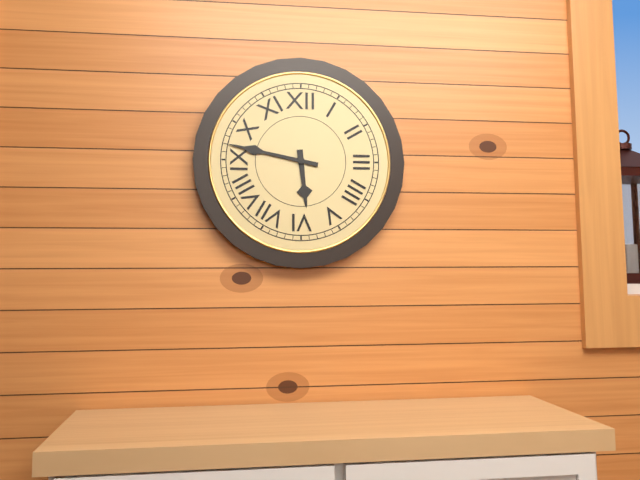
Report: **5:47**
